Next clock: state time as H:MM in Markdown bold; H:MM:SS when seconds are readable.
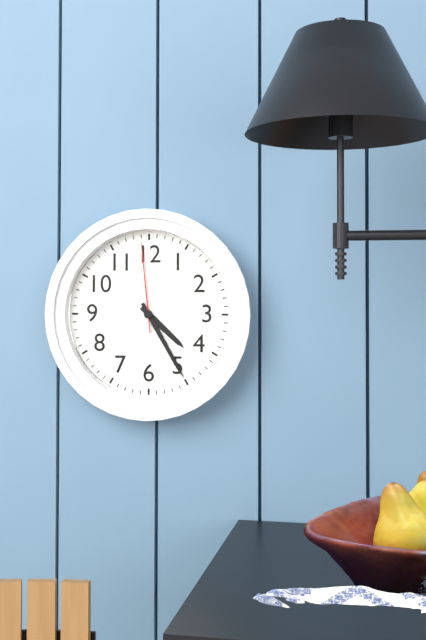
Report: **4:25:59**
